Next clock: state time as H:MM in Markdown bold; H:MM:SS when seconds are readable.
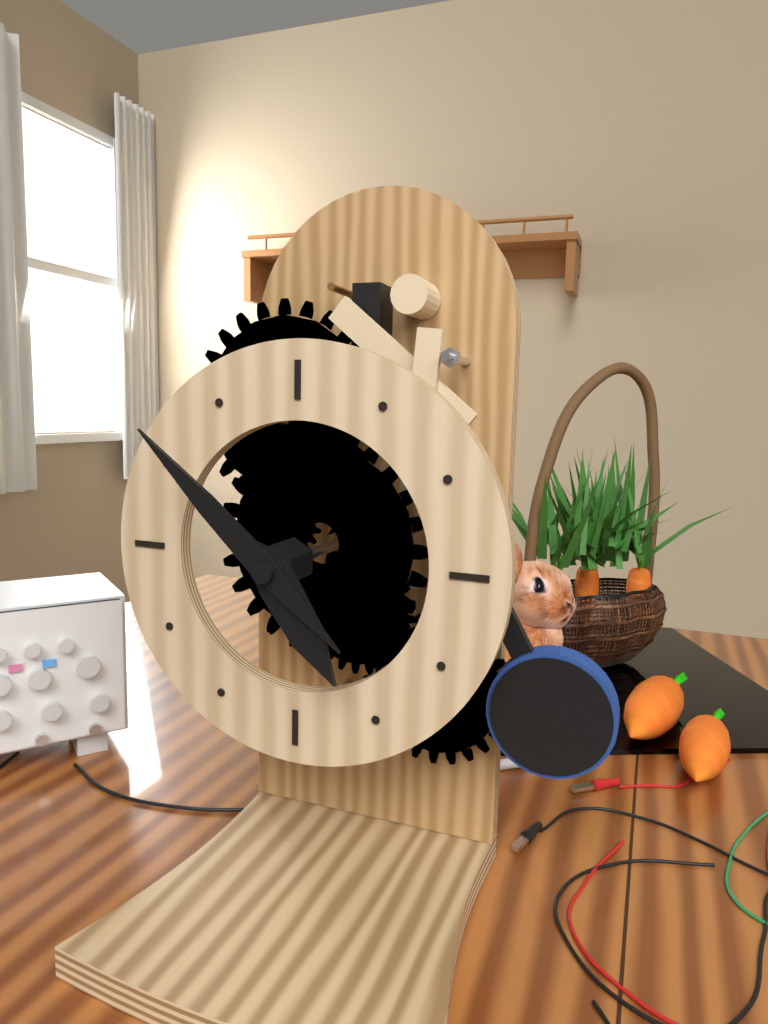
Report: **4:52**
